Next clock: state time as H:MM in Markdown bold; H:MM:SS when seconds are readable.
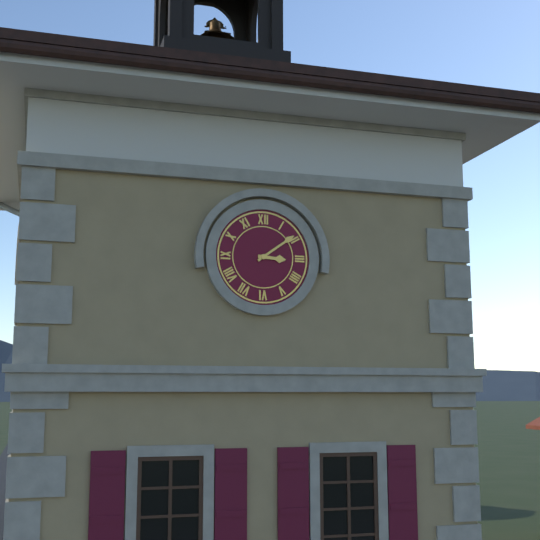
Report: **3:09**
